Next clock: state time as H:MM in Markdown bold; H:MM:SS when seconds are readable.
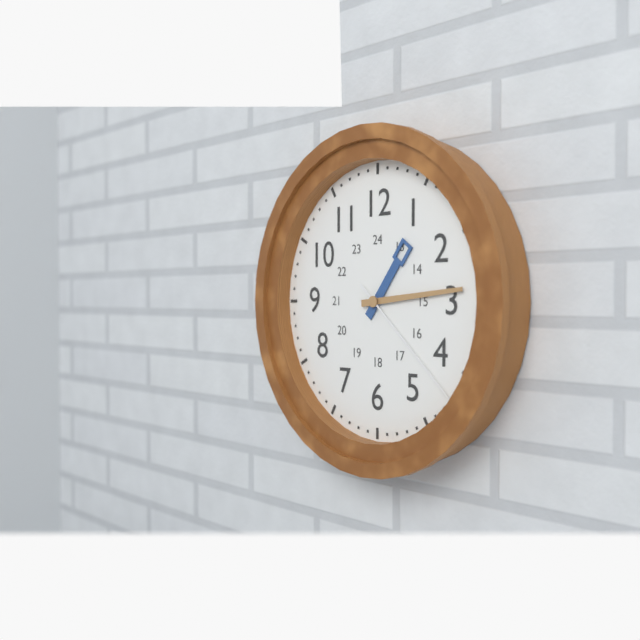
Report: **1:14:22**
